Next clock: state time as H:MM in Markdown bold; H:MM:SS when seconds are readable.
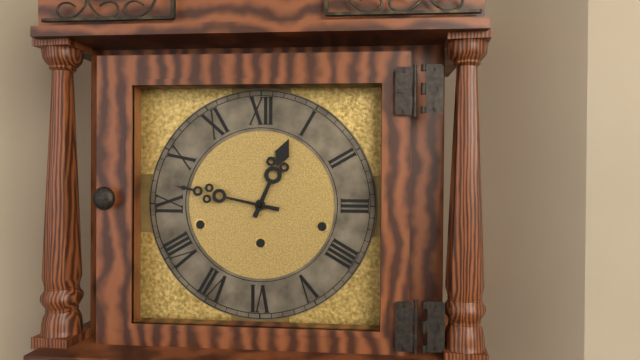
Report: **12:47**
